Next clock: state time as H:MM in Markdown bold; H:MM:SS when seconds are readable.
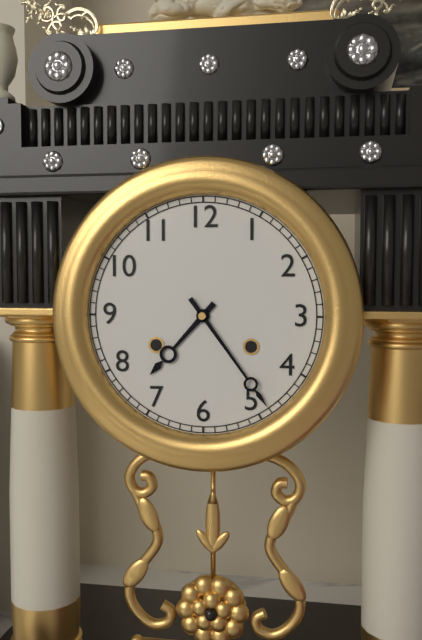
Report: **7:24**
